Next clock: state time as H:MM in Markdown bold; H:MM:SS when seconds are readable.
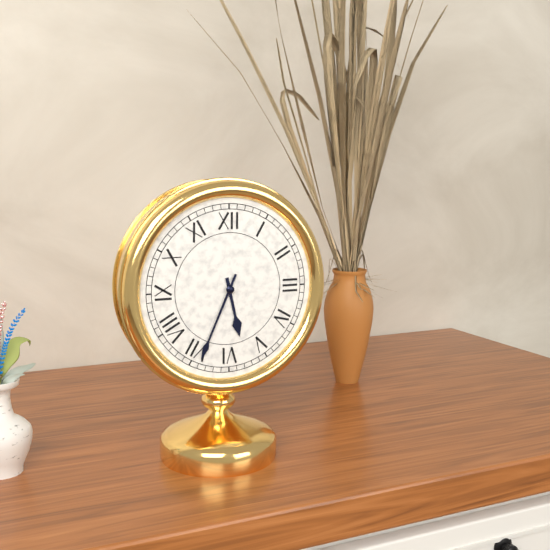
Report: **5:34**
